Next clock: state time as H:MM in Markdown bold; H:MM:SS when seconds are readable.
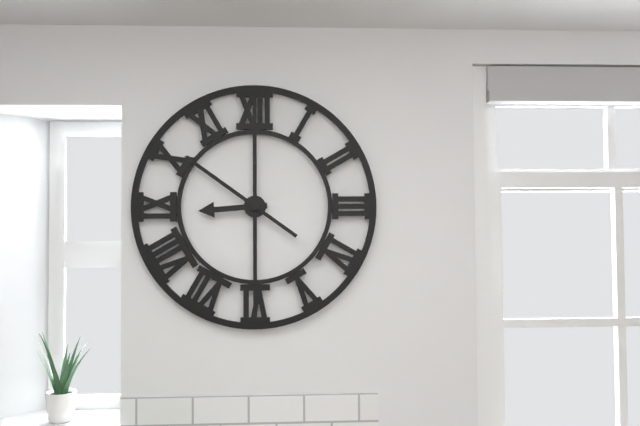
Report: **8:51**
